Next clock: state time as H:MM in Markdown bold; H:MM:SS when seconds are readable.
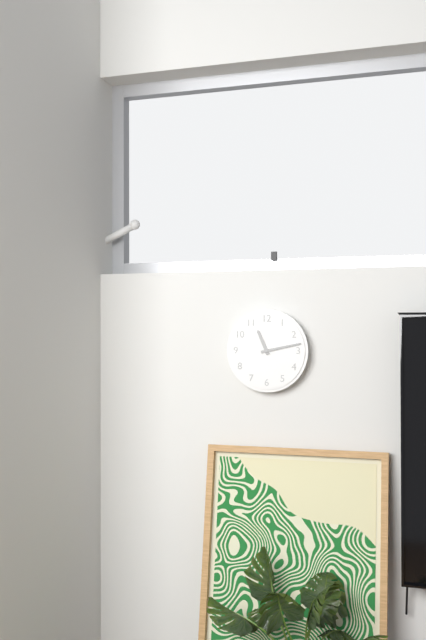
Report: **11:13**
